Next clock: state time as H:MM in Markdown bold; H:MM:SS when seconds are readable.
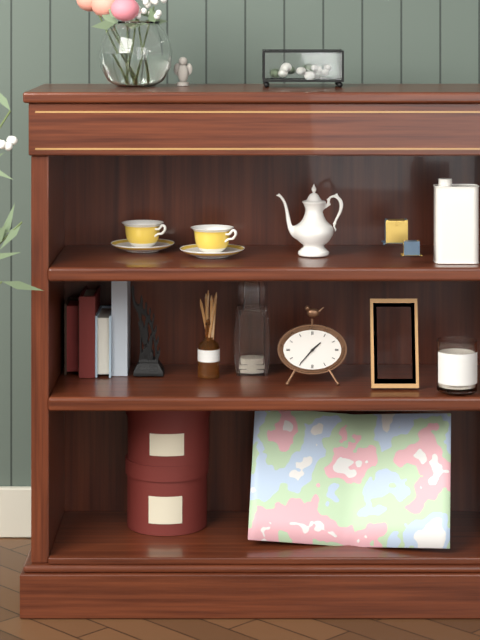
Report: **1:37**
